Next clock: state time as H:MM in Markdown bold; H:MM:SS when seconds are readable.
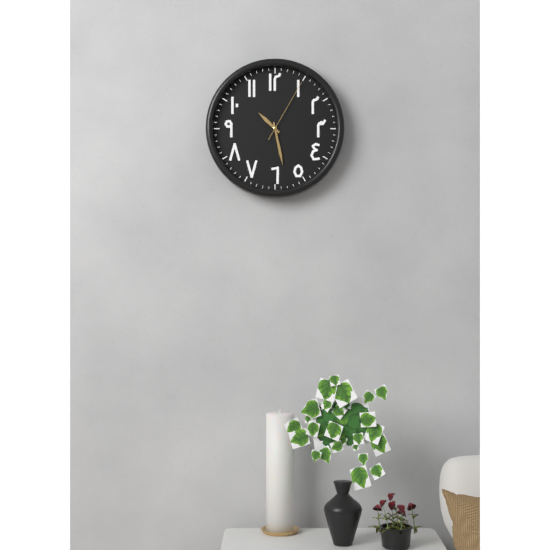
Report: **10:28:05**
